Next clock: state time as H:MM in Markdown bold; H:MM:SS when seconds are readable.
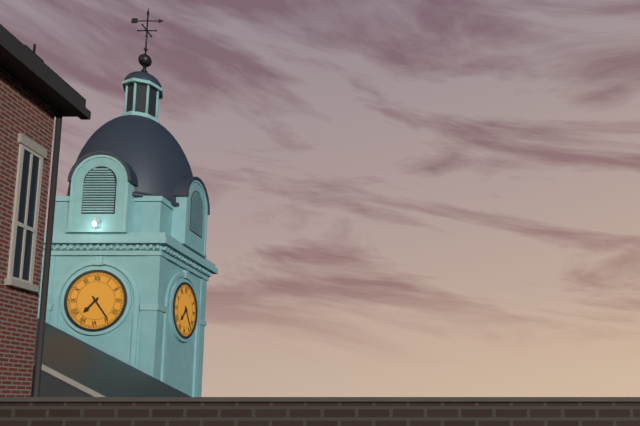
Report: **7:24**
